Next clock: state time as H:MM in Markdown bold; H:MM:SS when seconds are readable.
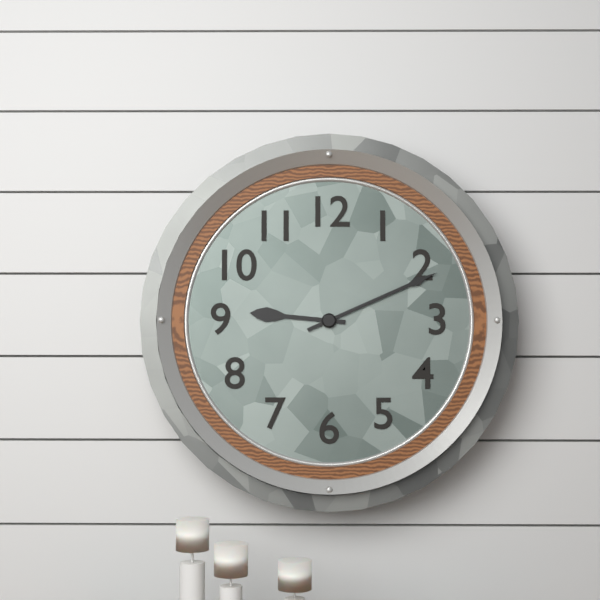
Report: **9:11**
